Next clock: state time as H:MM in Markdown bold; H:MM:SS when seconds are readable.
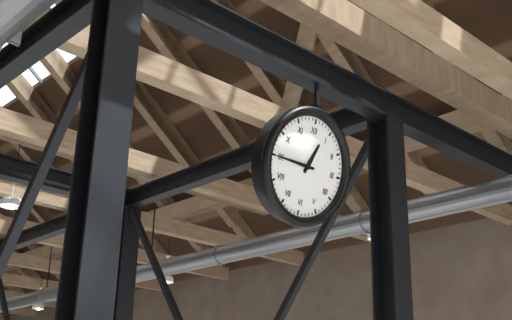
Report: **12:45**
